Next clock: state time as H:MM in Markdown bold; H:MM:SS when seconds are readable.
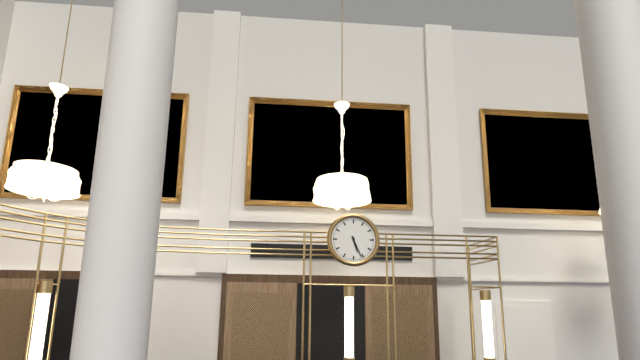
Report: **5:26**
